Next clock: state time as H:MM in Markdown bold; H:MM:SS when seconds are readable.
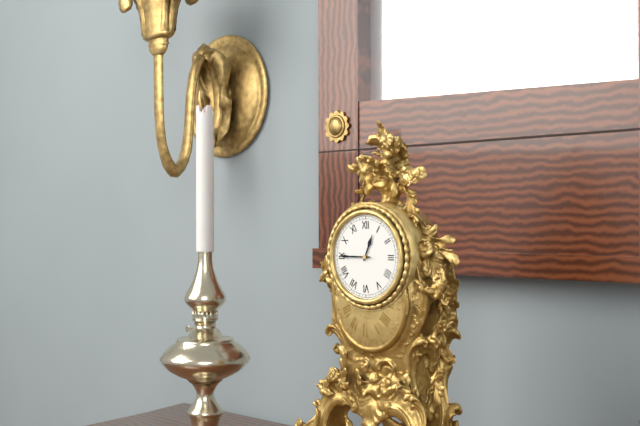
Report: **12:45**
